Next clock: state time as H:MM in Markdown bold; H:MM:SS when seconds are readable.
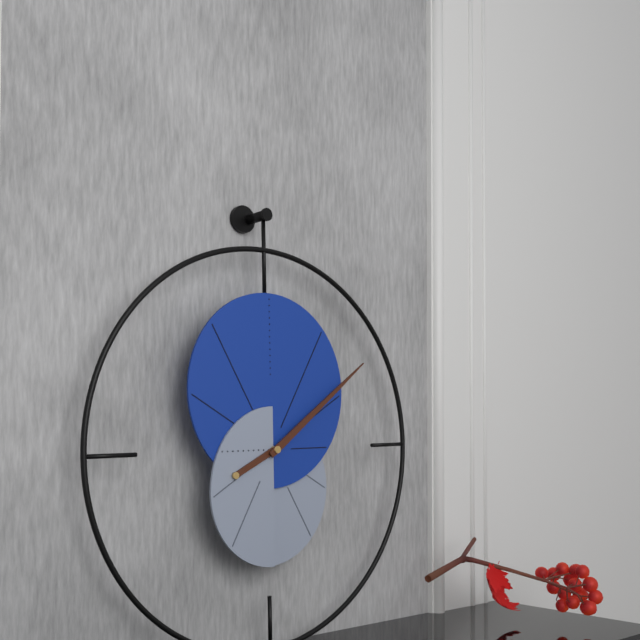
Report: **8:09**
